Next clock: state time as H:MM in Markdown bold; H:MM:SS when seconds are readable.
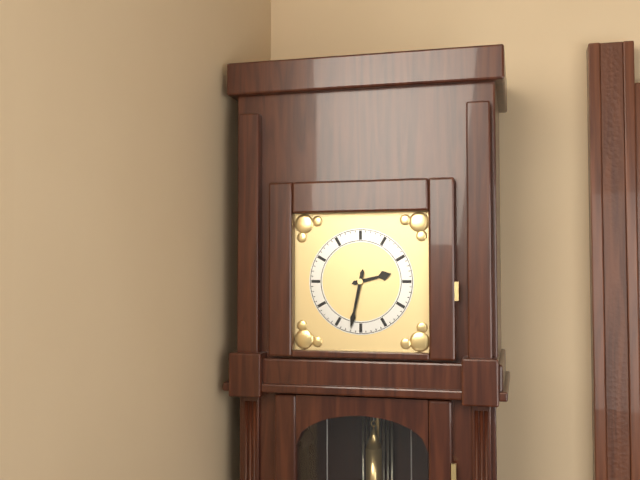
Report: **2:32**
